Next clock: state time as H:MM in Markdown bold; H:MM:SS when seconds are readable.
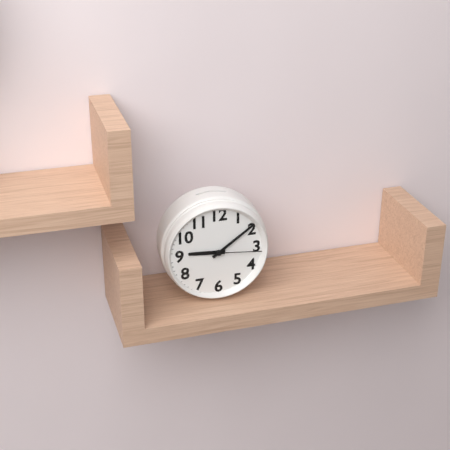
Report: **9:09:16**
